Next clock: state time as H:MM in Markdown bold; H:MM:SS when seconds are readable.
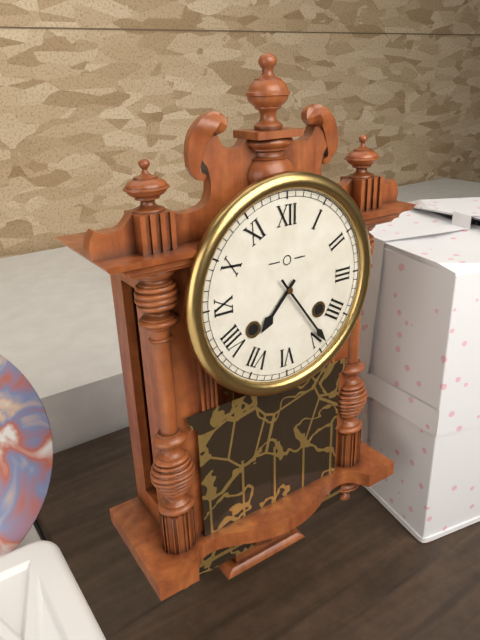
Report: **7:24**
